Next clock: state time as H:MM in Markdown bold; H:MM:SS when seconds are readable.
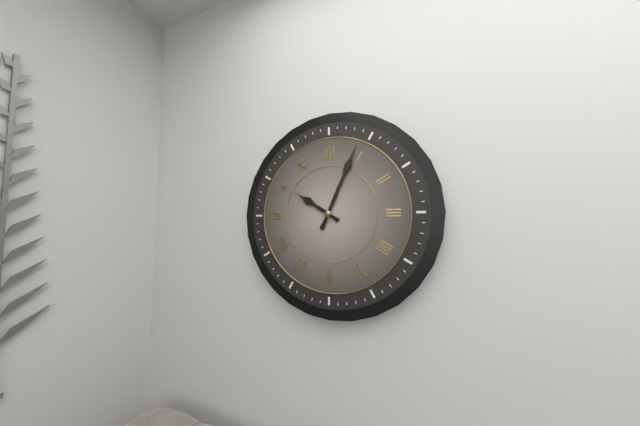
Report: **10:04**
